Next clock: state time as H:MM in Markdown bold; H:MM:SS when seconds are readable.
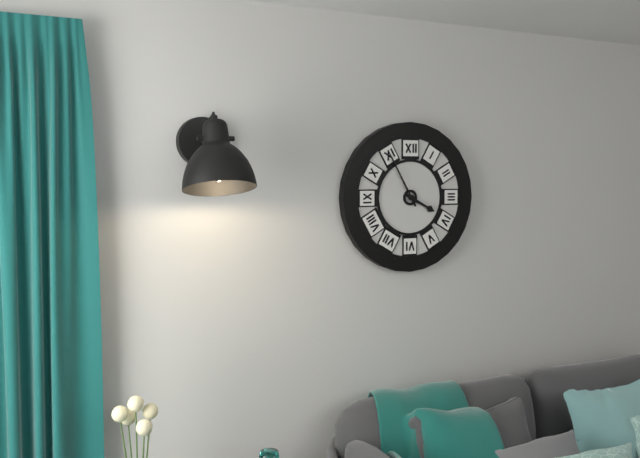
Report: **3:55**
